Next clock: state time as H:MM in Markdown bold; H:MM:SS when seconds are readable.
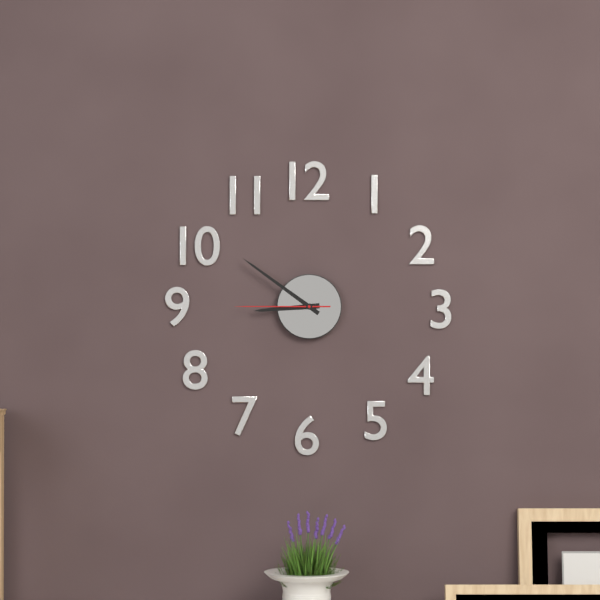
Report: **8:51:45**
